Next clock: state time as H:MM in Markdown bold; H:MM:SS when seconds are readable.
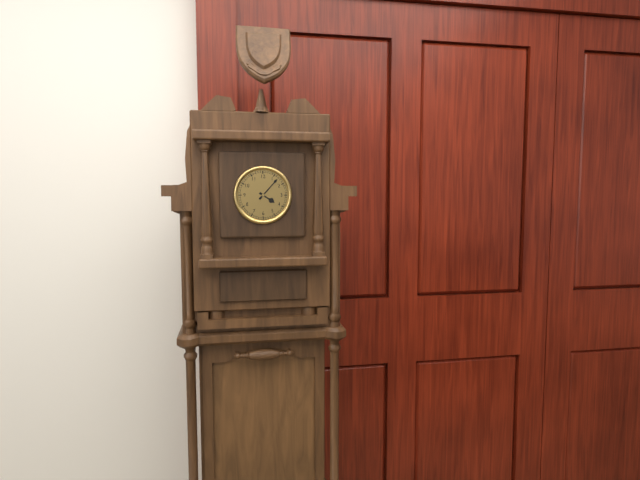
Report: **4:07**
